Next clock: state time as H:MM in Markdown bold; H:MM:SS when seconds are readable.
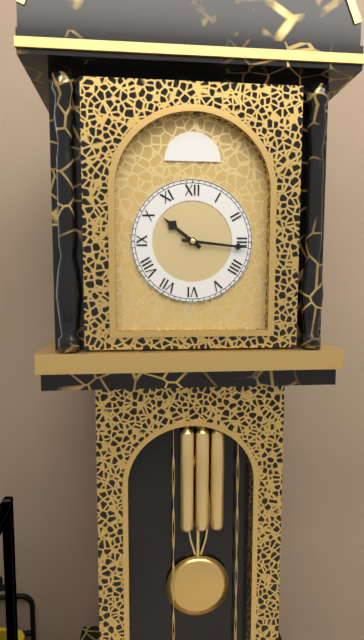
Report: **10:16**
